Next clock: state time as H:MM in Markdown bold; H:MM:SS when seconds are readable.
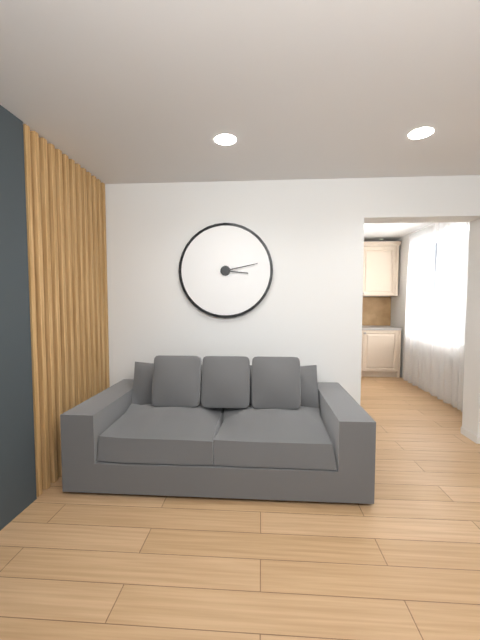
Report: **3:13**
